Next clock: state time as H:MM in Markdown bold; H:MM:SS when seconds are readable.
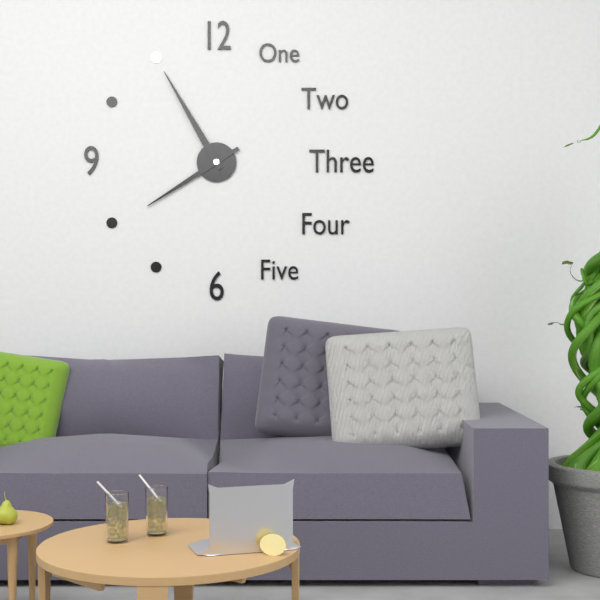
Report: **7:55**
